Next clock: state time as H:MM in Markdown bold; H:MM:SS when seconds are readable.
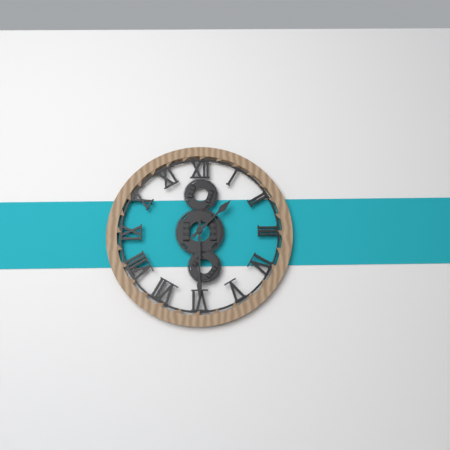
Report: **1:30**
